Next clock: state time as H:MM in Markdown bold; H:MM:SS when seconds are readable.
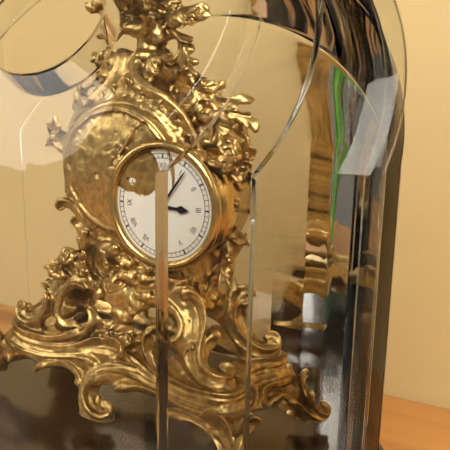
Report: **3:06**
